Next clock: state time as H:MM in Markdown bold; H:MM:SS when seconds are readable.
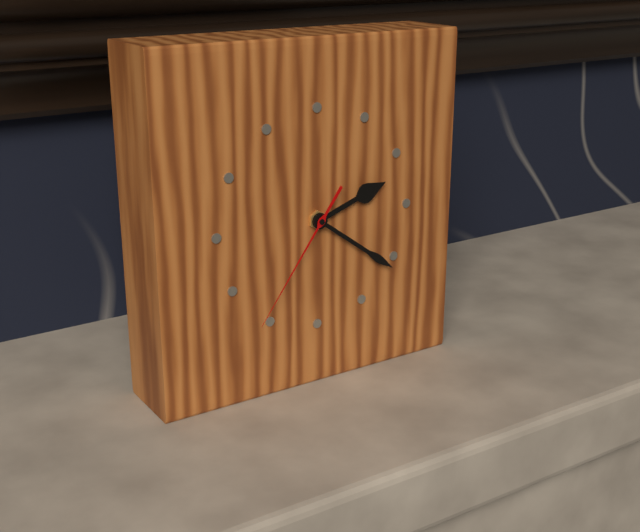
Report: **2:21:36**
